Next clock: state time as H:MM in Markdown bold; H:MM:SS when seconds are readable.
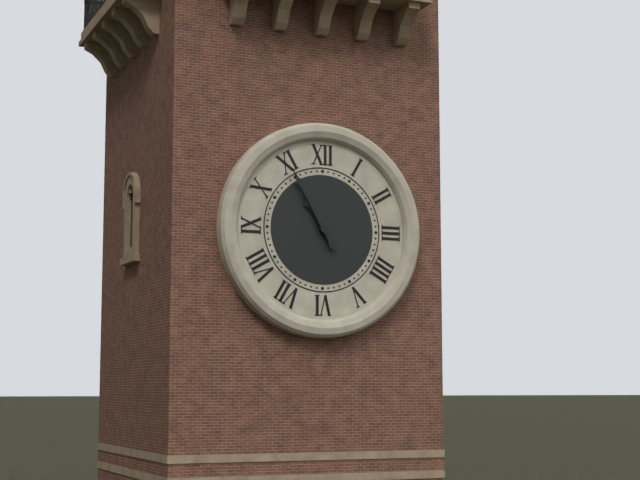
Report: **10:55**
